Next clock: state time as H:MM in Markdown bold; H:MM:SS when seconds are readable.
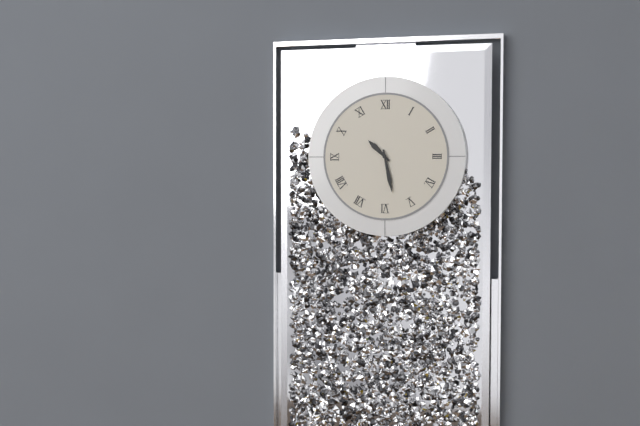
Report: **10:28**
